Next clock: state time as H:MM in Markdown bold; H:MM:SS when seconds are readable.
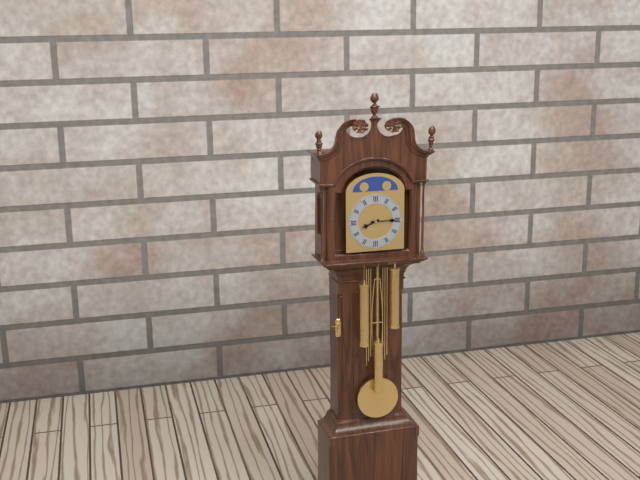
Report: **8:15**
